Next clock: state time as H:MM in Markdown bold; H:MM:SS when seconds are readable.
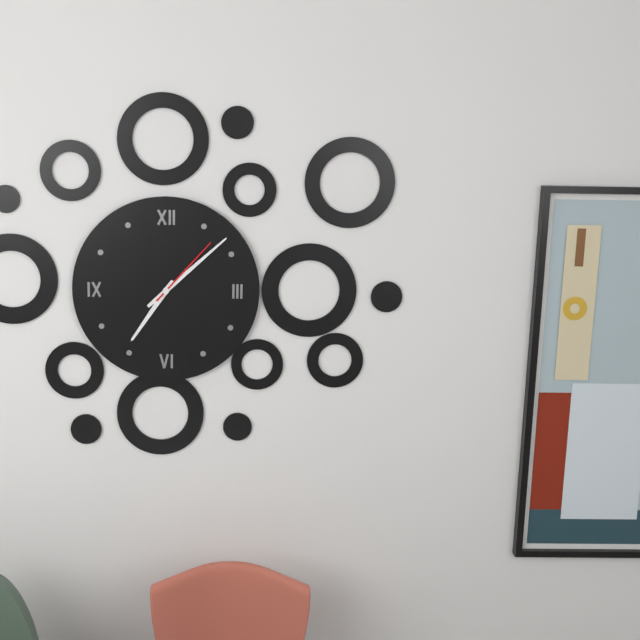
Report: **7:08:07**
